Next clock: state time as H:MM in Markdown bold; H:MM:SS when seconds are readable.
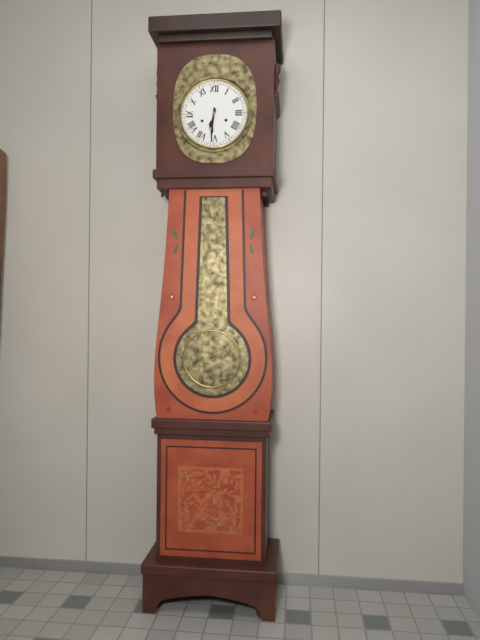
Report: **6:31**
